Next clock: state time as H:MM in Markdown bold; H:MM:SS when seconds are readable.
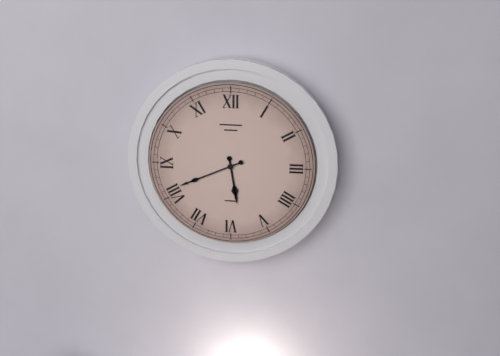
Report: **5:41**
